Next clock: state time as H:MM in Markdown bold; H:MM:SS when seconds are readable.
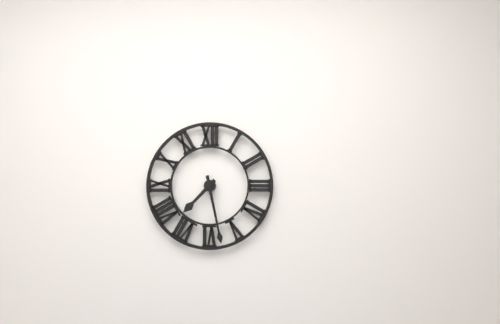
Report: **7:28**
